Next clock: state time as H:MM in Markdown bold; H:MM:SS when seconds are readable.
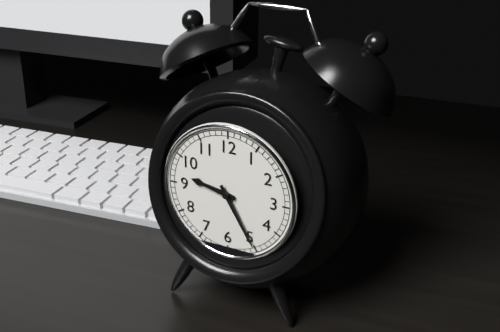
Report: **9:25**
